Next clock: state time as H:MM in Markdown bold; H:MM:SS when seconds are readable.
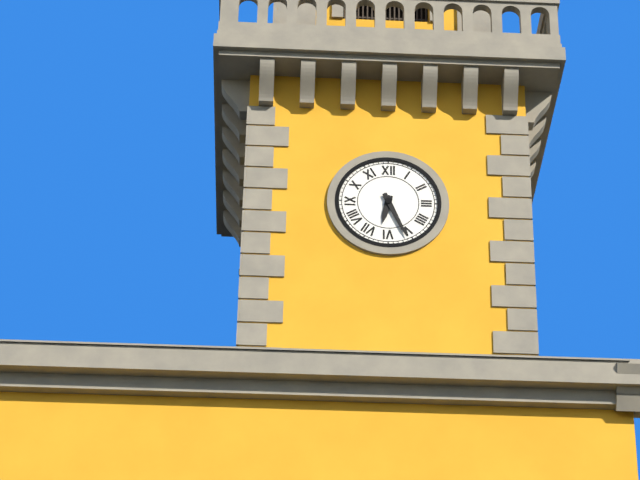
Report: **6:26**
